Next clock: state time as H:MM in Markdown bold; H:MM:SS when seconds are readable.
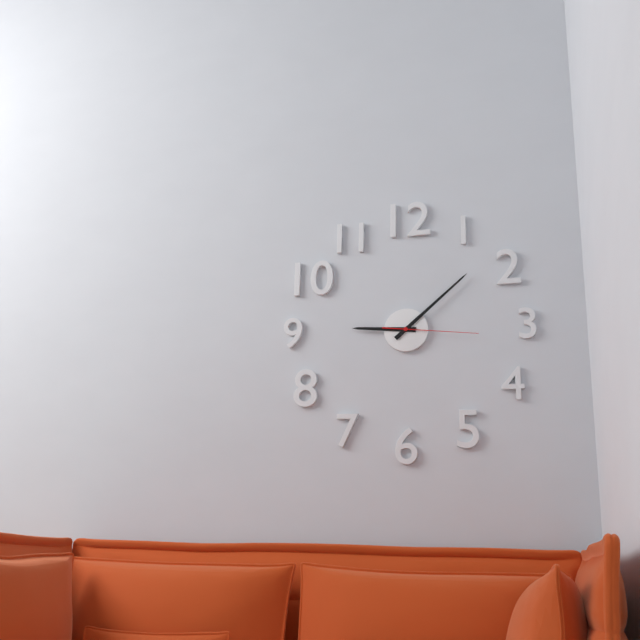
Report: **9:08:16**
